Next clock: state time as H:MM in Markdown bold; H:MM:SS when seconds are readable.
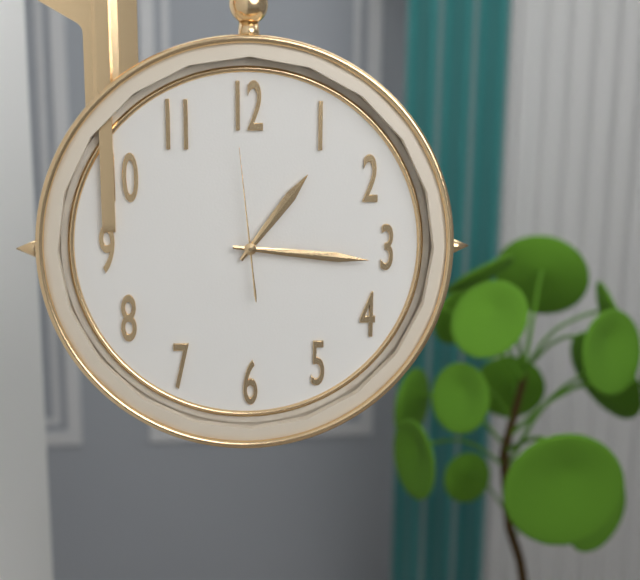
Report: **1:16:59**
